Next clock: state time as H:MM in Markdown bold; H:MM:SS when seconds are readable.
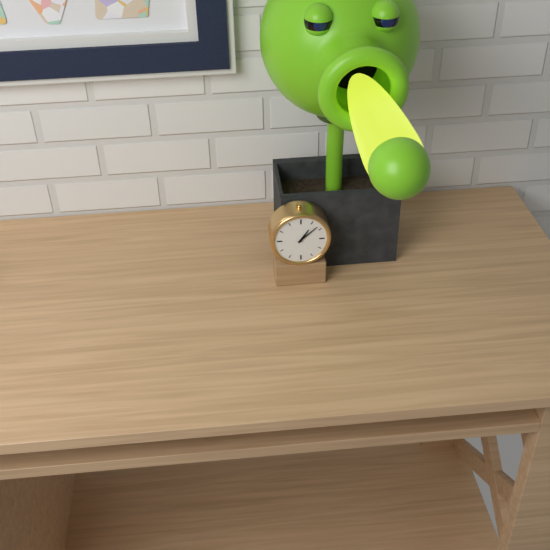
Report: **1:08**
